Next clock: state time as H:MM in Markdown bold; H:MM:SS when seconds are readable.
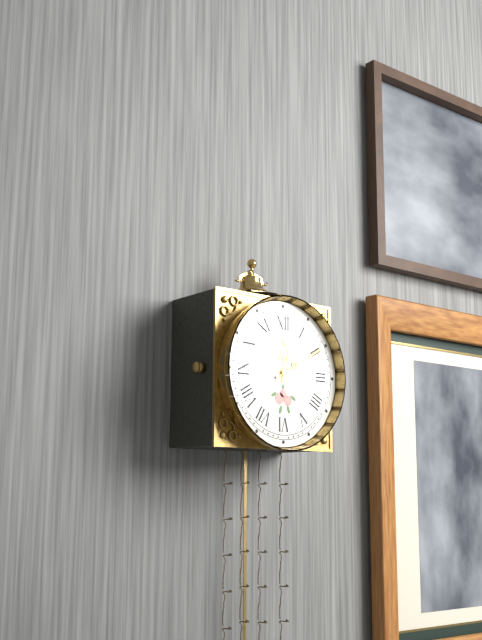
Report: **12:10**
